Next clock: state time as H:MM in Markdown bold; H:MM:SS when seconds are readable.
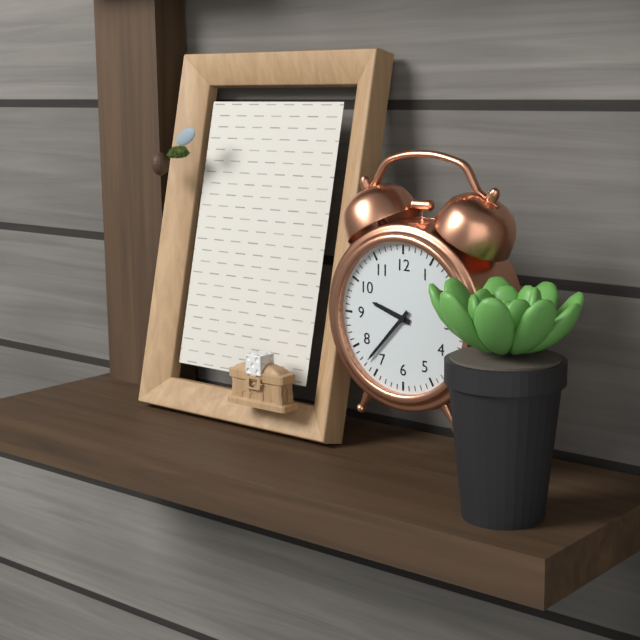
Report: **9:37**
